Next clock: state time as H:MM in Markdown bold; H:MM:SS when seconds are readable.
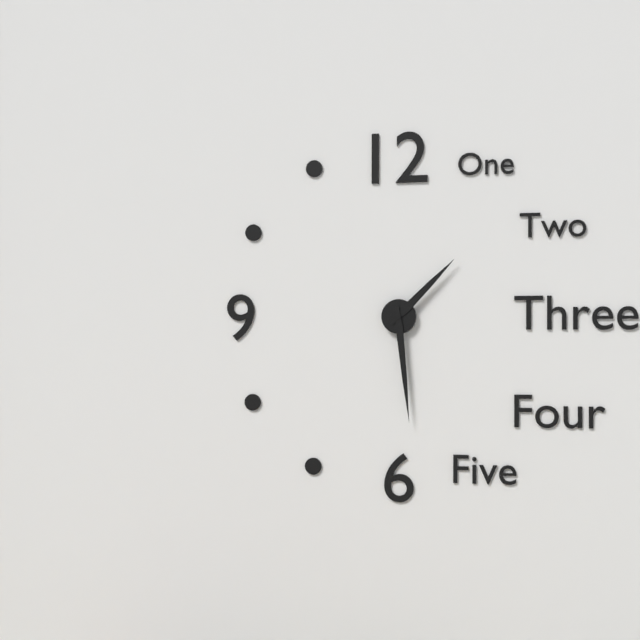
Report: **1:29**
